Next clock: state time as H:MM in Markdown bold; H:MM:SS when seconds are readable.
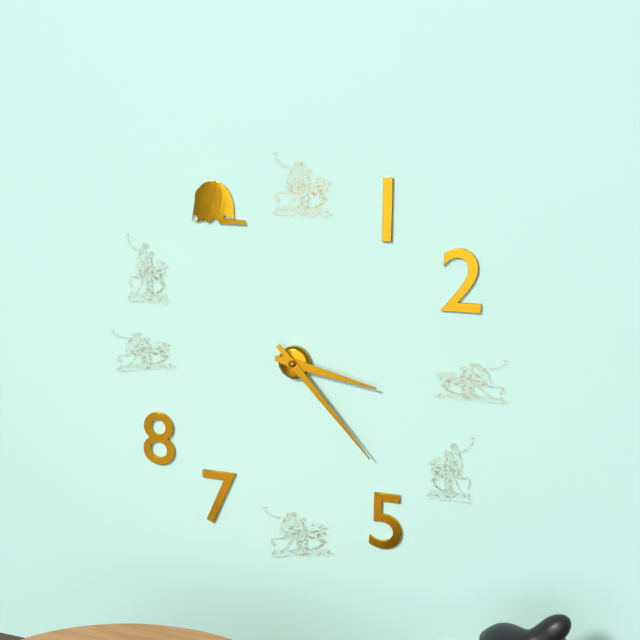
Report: **3:23**
